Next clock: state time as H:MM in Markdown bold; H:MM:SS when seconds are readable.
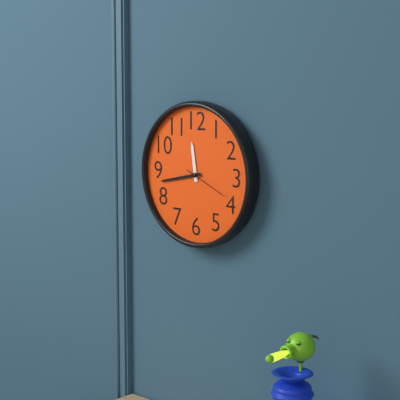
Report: **11:43**
